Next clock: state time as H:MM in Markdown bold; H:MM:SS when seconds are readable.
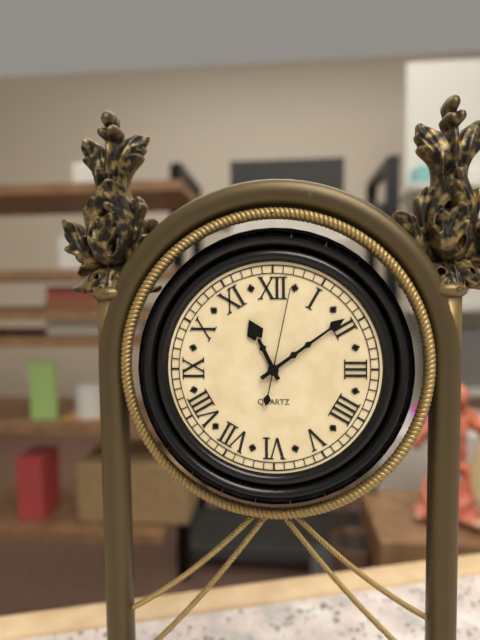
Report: **11:09:02**
